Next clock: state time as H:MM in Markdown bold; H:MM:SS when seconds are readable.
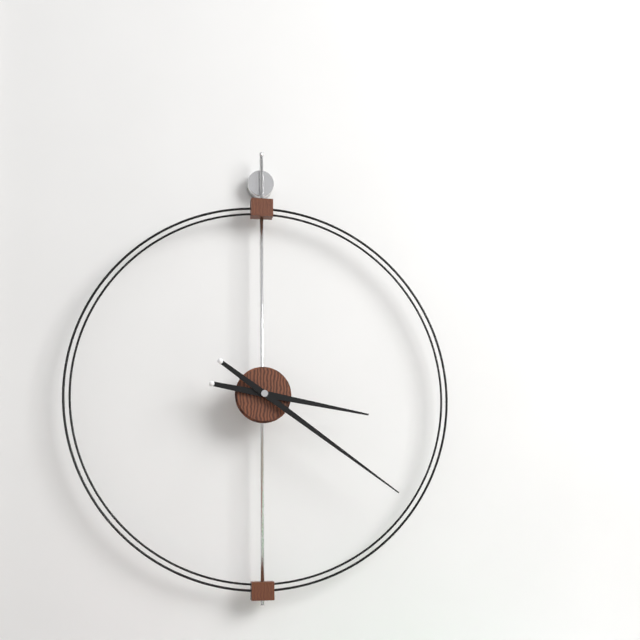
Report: **3:21**
